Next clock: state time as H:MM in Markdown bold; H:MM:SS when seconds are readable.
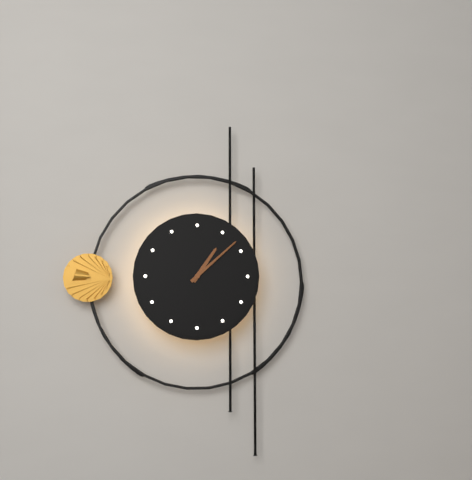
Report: **1:08**
